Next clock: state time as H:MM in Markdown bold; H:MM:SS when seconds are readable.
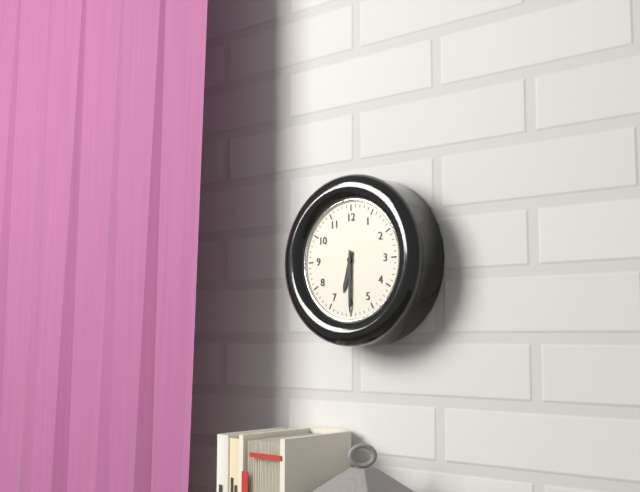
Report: **6:30**
